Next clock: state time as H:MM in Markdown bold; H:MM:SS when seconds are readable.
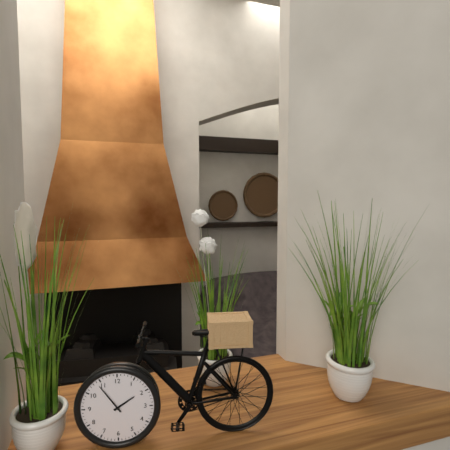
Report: **1:54**
